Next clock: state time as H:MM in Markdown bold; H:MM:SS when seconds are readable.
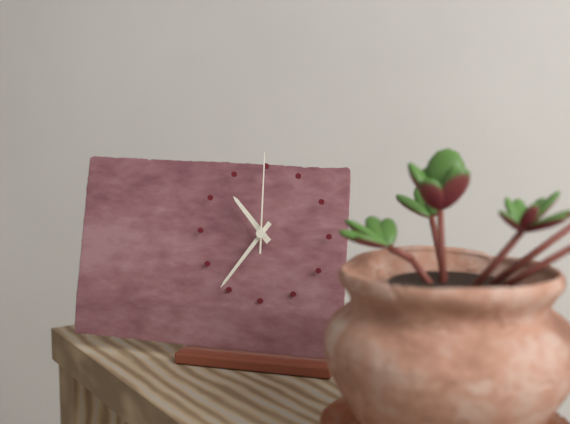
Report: **10:36:00**
